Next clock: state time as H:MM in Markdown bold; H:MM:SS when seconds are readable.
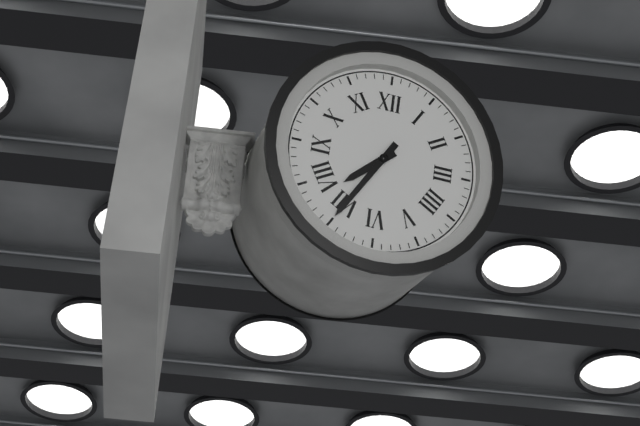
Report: **7:35**
